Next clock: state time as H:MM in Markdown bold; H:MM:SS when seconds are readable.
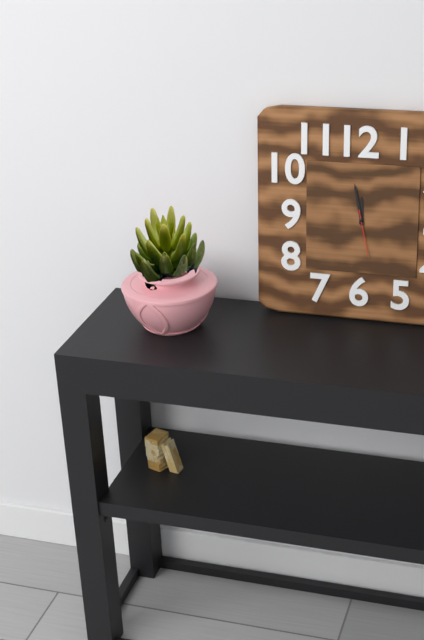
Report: **11:58**
